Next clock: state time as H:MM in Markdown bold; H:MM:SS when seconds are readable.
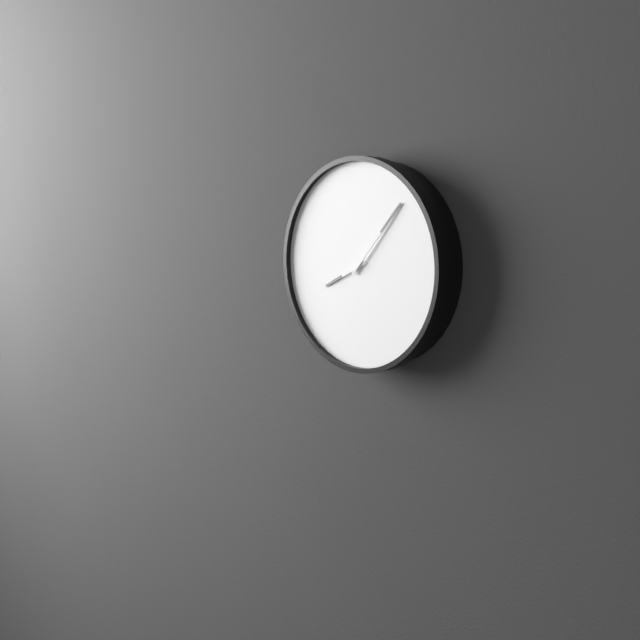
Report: **8:07**
